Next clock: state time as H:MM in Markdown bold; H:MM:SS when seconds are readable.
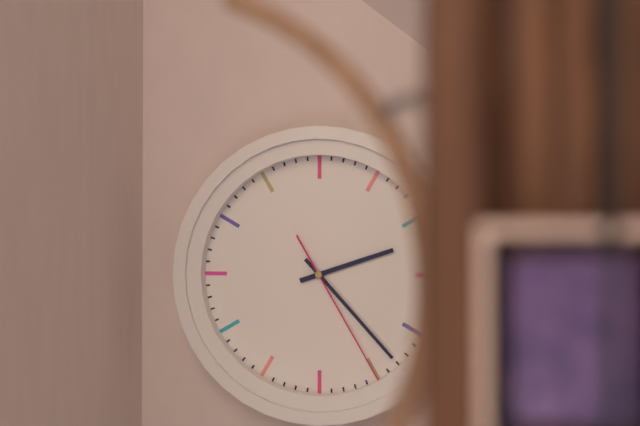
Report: **2:23:25**
